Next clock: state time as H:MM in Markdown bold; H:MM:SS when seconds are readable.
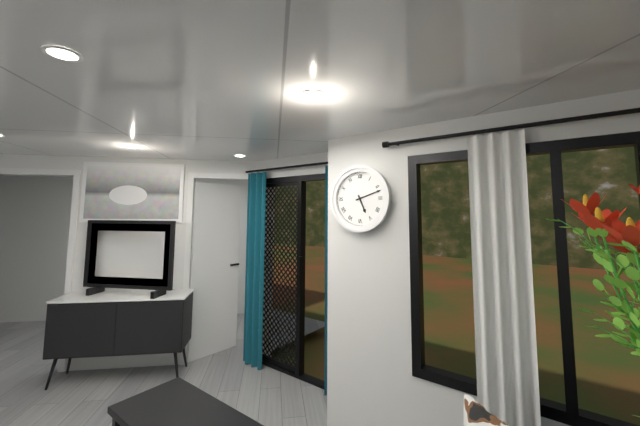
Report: **5:12**
